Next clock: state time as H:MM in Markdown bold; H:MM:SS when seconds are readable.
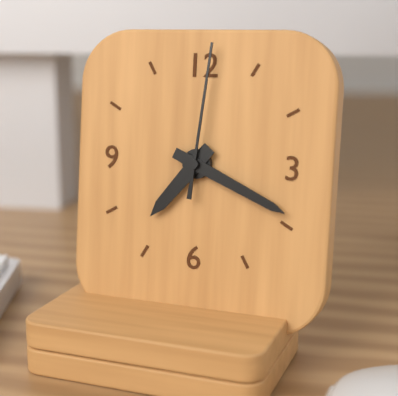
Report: **7:19:01**
